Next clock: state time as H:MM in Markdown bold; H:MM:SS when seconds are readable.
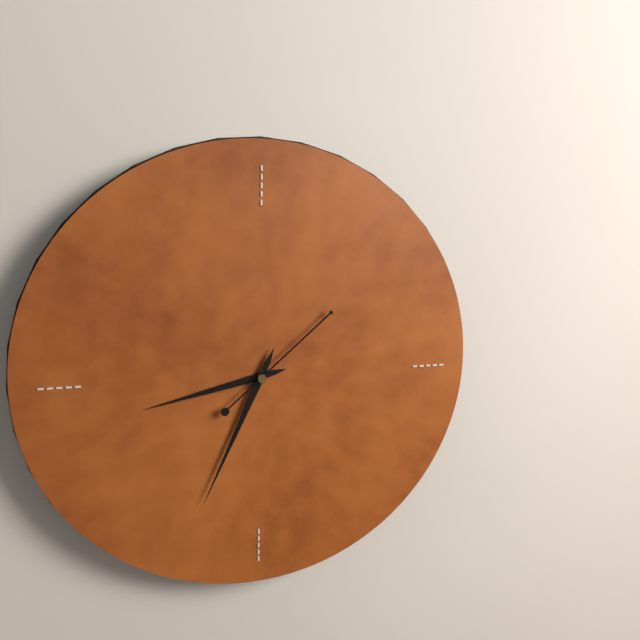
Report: **8:34:08**
